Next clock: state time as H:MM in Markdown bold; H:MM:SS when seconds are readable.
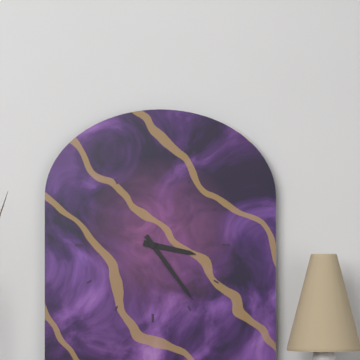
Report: **3:24**
